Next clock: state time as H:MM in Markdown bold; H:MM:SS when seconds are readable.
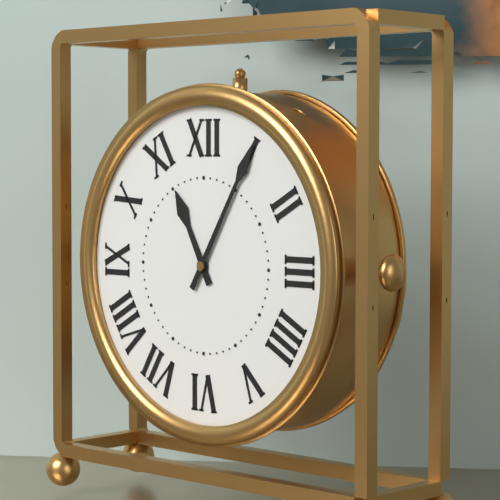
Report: **11:05**
